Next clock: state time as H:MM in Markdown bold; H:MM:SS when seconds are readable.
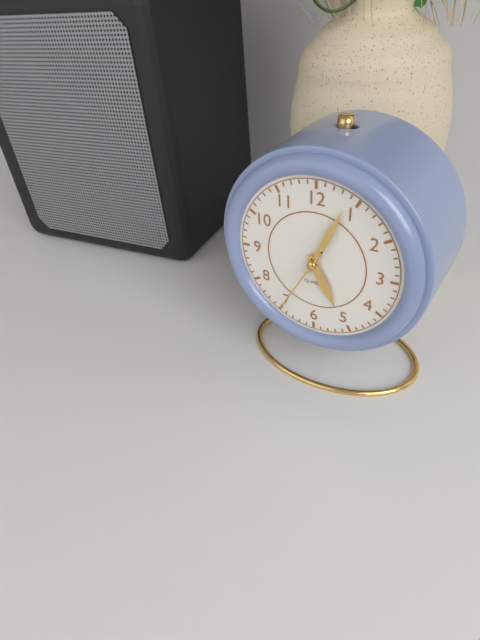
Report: **5:04:35**
